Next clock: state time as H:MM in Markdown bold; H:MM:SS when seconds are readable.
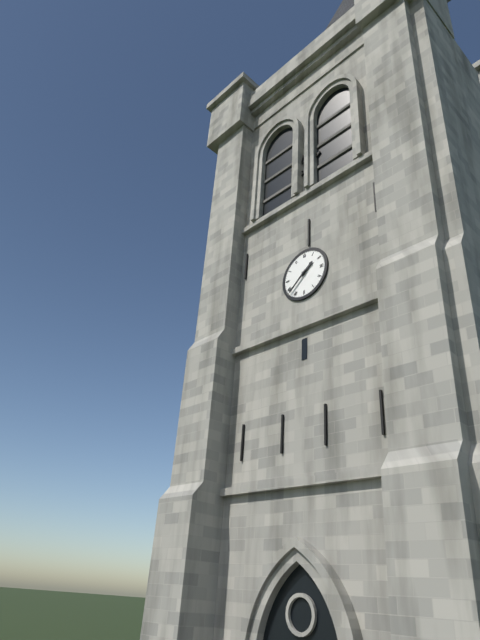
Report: **1:38**
